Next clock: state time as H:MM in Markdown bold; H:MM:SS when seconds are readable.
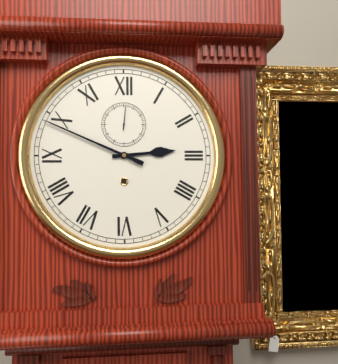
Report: **2:49**
